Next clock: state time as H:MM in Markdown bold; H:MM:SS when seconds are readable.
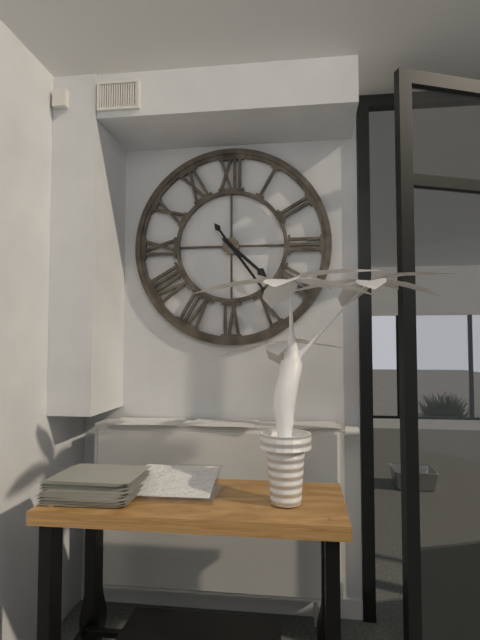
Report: **4:24**
